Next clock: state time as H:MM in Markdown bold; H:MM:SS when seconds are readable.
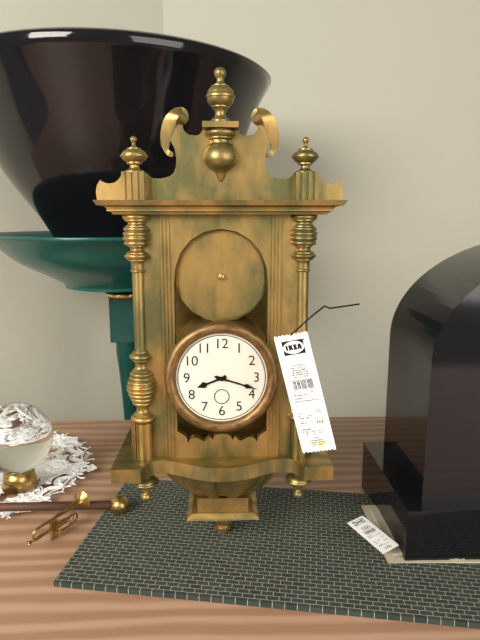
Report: **8:18**
